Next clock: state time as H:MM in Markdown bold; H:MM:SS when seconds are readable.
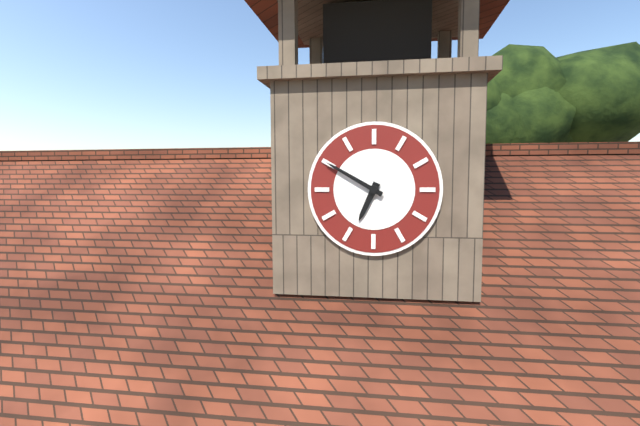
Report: **6:50**
